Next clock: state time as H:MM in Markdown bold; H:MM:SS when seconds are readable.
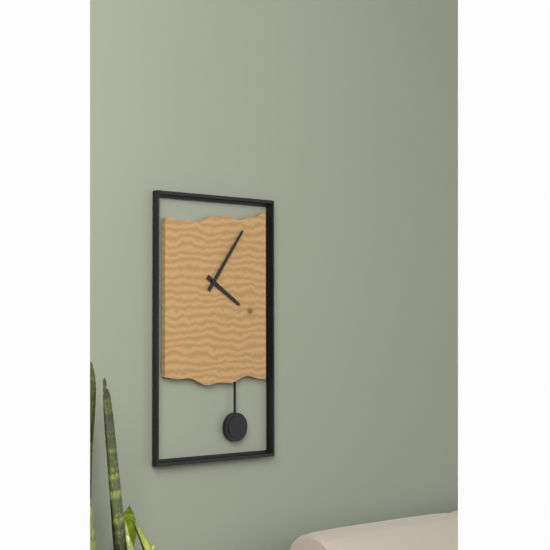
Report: **4:06**
